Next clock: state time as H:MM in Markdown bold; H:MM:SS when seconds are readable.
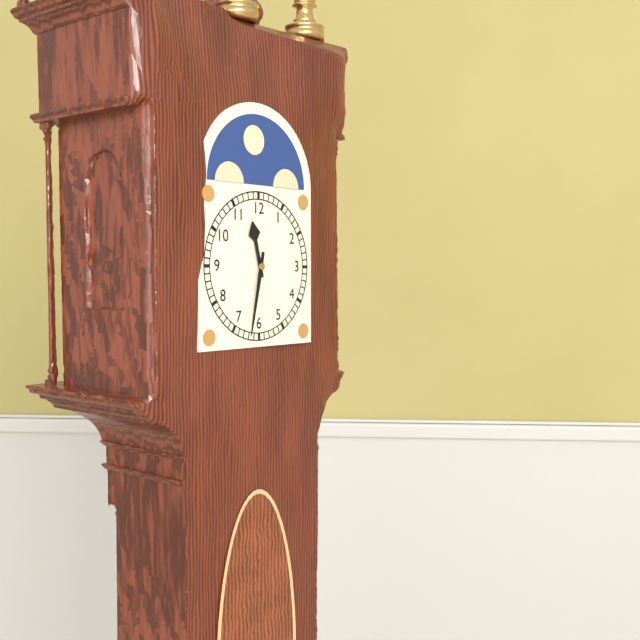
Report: **11:32**
